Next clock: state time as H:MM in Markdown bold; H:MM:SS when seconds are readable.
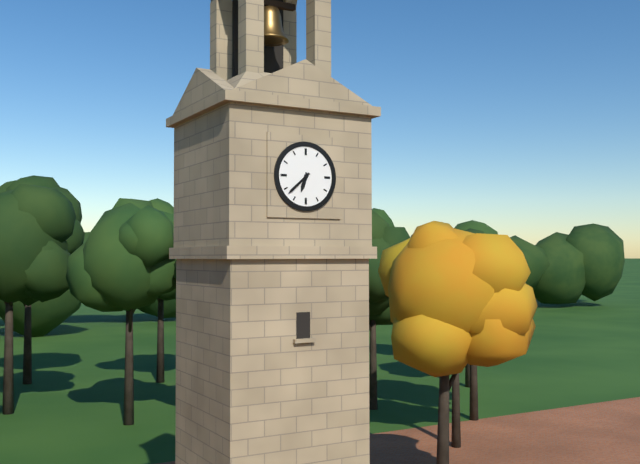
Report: **6:38**
